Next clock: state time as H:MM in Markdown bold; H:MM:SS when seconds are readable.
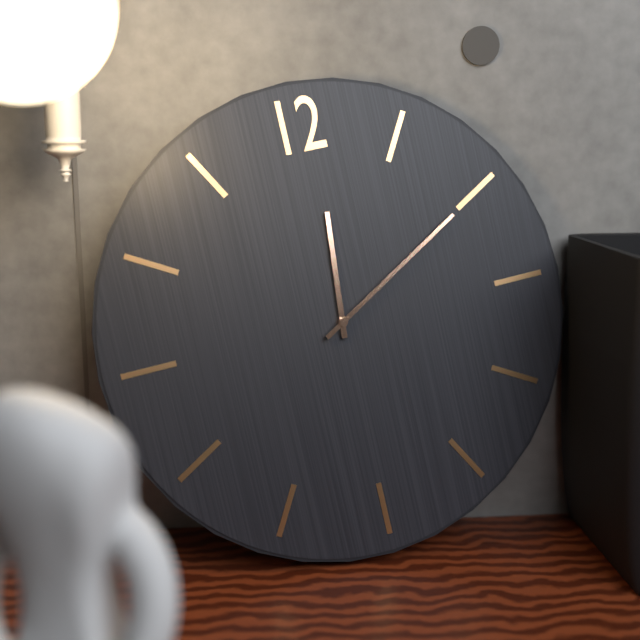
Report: **12:10**
